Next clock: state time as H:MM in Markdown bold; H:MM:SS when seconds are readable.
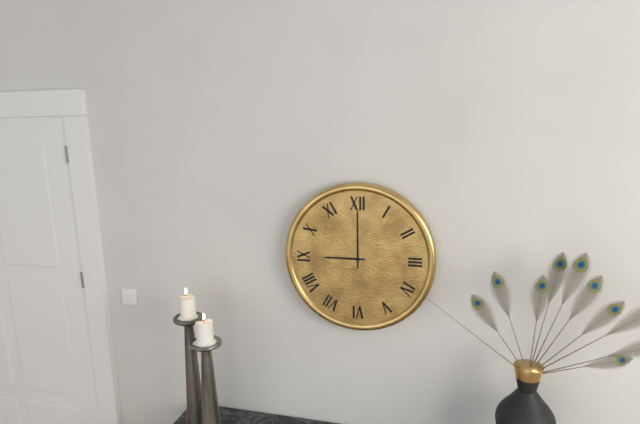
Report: **9:00**
